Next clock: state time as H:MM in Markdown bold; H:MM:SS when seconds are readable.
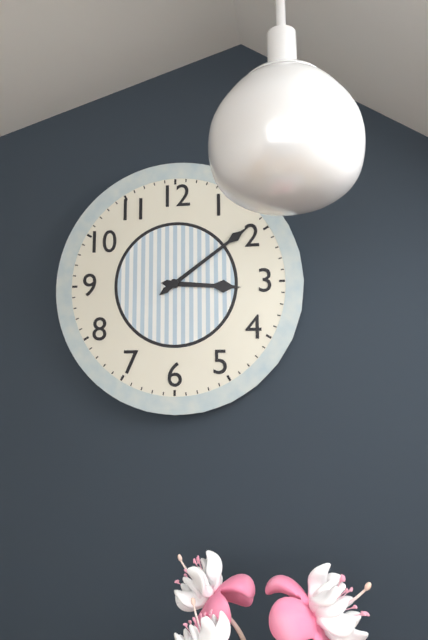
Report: **3:09**
